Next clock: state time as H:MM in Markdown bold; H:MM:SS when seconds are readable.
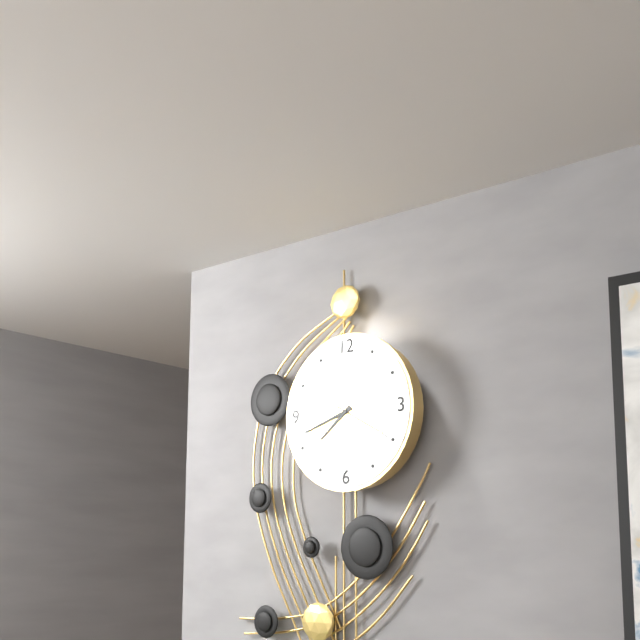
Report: **7:42:20**
